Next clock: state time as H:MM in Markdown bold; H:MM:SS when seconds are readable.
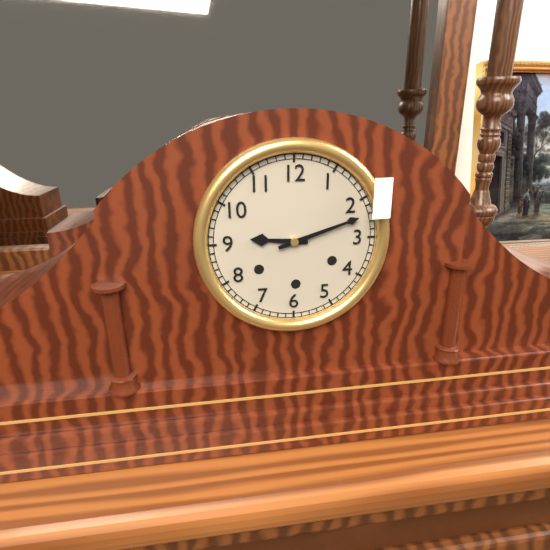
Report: **9:12**
